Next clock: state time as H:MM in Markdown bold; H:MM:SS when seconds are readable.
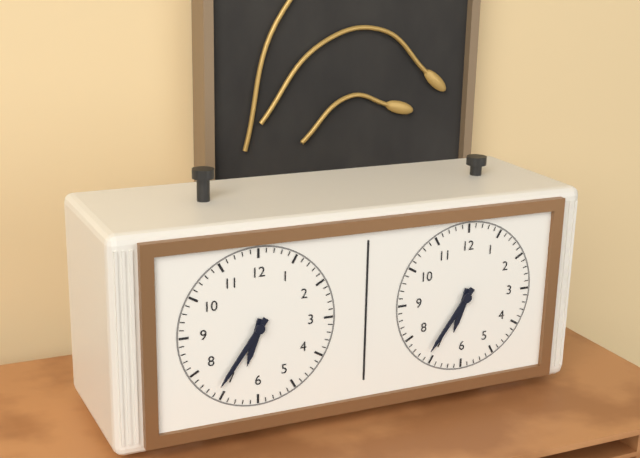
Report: **6:36**
